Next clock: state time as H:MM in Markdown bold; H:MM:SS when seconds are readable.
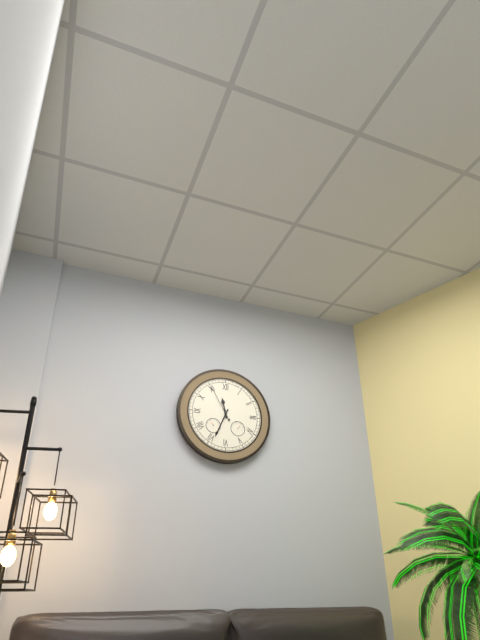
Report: **11:34**
